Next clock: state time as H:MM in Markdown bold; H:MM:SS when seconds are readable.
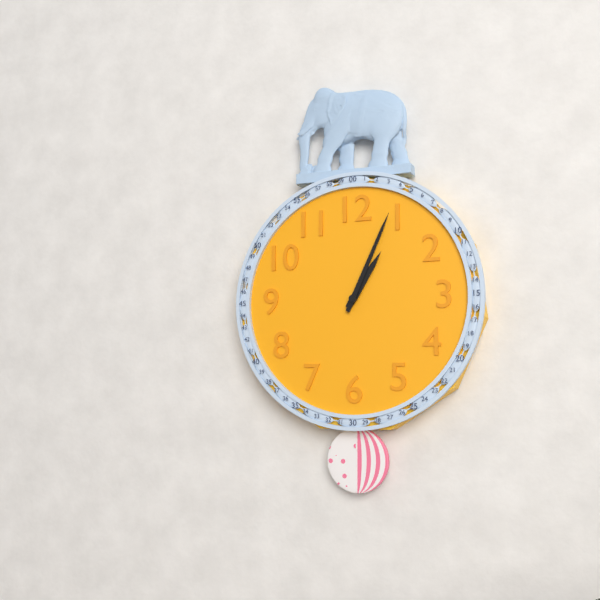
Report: **1:04**
